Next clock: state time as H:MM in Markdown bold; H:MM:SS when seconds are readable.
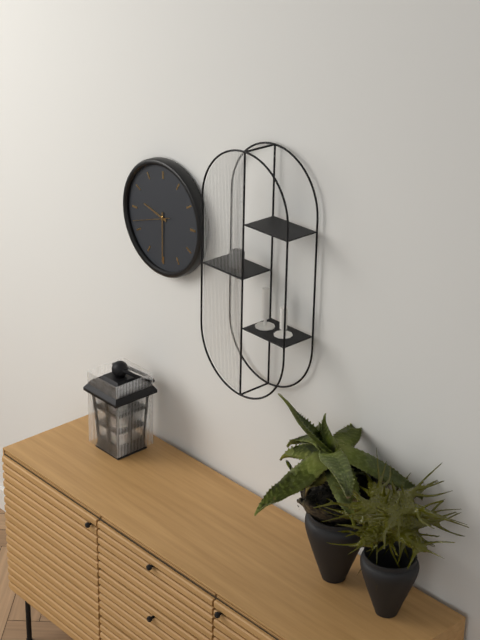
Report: **9:30**
